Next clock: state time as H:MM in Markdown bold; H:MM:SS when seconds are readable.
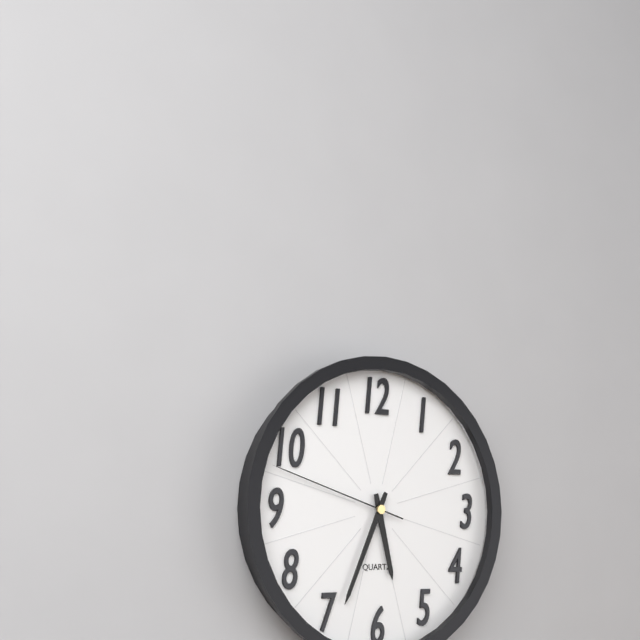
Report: **5:34:48**
